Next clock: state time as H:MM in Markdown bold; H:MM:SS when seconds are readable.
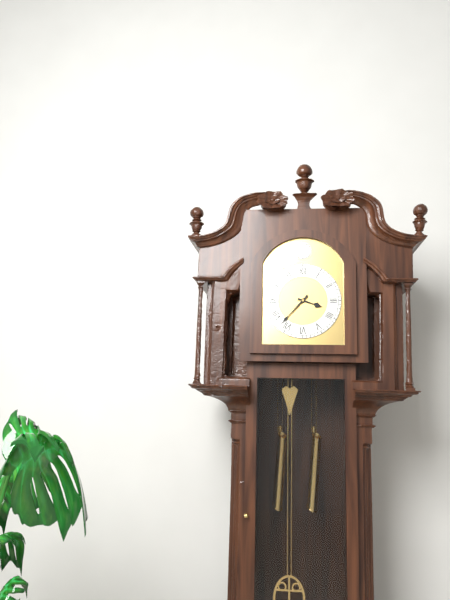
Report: **3:37**
